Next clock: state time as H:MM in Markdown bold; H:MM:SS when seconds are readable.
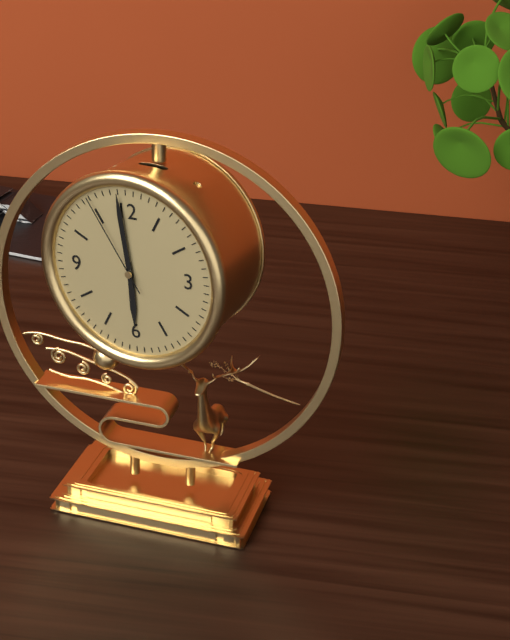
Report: **5:59:55**
